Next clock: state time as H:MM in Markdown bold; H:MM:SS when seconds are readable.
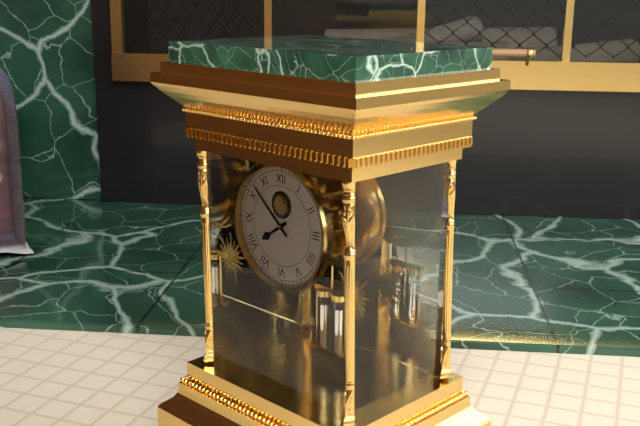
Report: **7:52**
